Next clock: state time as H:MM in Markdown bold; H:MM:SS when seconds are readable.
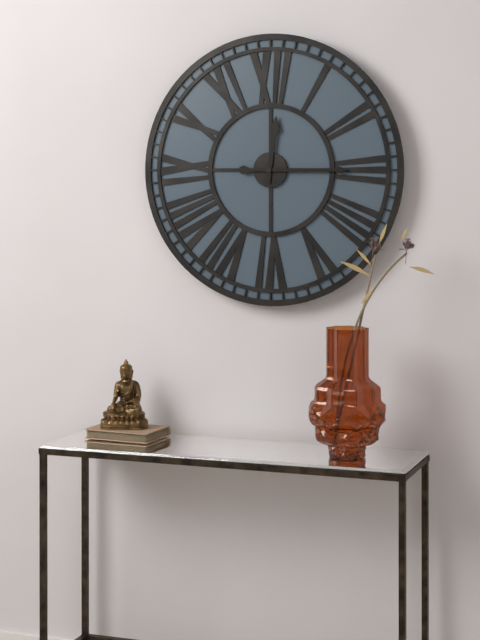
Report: **12:15**
